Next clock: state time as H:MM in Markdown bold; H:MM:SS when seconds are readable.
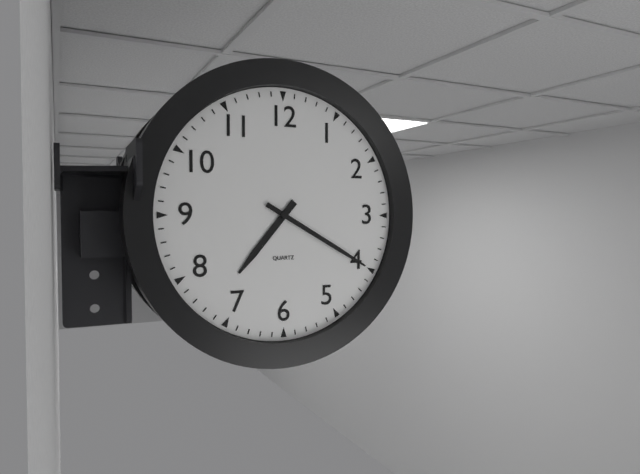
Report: **7:20**
